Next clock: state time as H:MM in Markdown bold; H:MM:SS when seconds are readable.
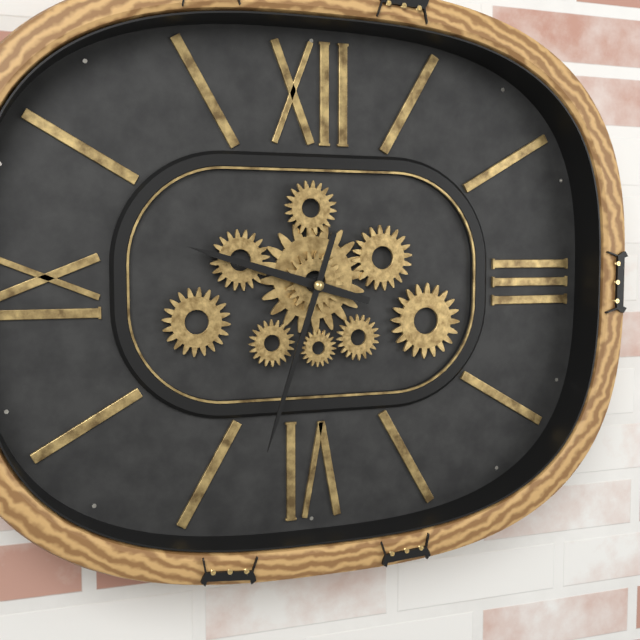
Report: **9:33**
